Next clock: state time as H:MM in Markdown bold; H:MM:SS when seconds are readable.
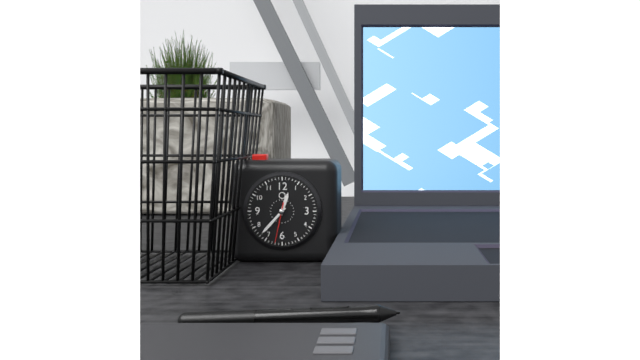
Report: **12:37**
